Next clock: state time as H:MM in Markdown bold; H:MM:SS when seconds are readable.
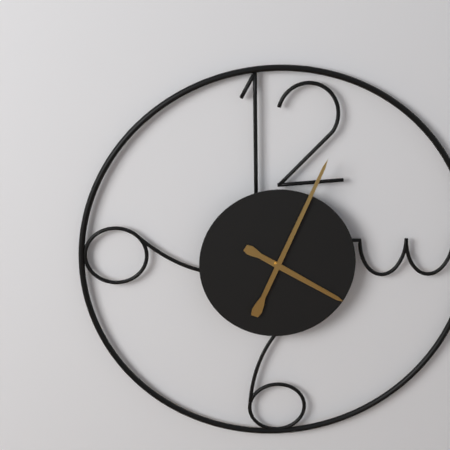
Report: **4:04**
